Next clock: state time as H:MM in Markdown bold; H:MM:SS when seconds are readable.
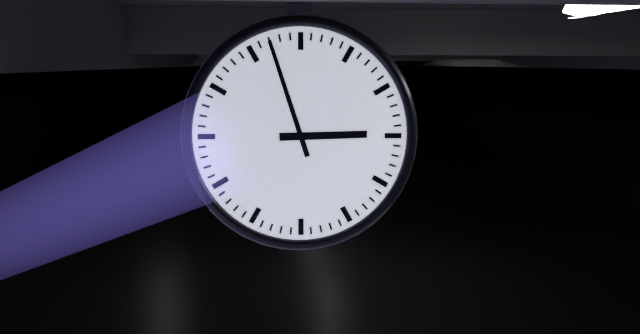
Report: **2:57**
